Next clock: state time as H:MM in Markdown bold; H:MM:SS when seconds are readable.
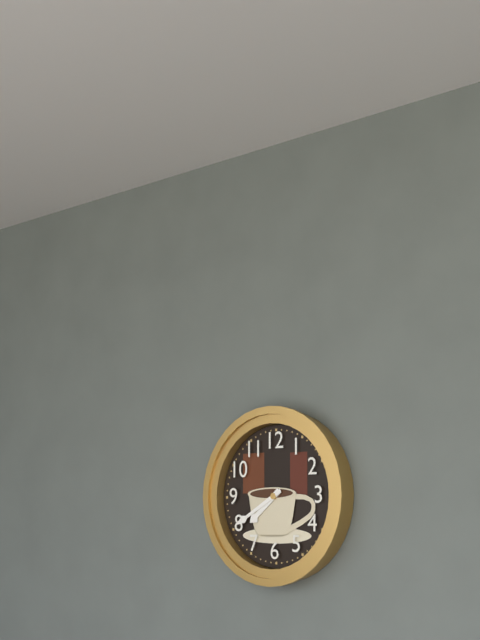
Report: **7:40**
